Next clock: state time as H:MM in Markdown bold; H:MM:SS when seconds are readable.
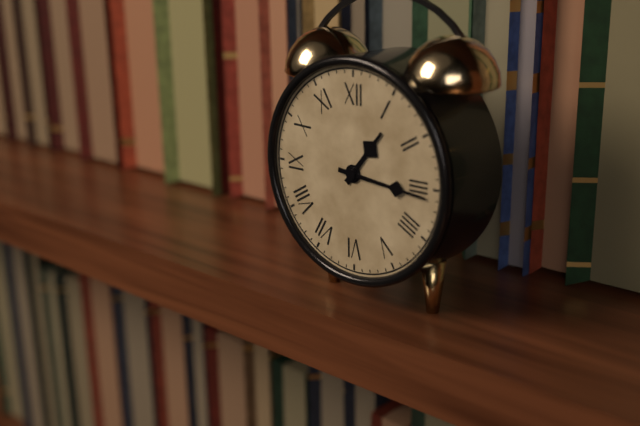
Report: **1:16**
